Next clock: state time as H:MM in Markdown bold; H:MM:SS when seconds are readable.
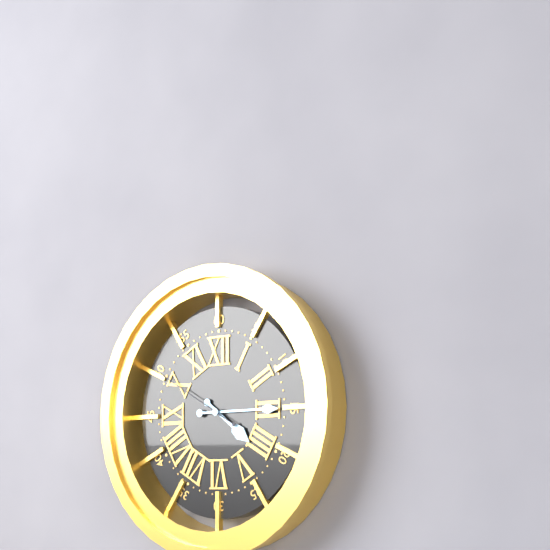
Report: **4:15:50**
